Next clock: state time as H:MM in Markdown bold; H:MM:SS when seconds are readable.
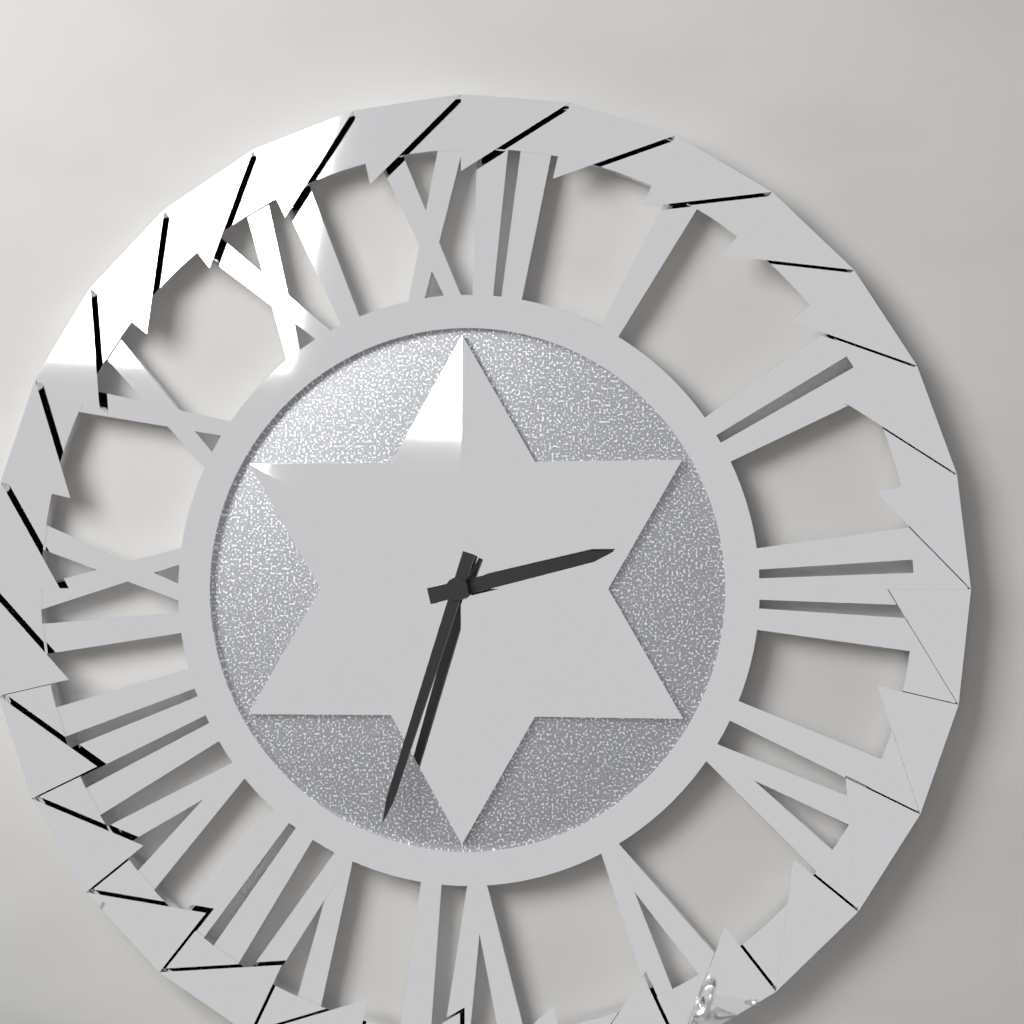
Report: **2:33**
